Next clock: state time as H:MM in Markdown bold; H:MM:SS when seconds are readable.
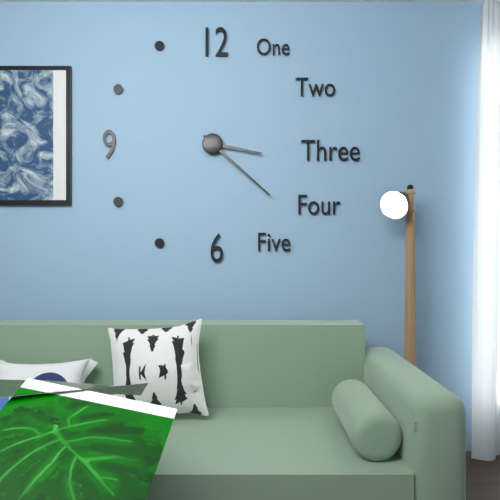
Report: **3:22**
